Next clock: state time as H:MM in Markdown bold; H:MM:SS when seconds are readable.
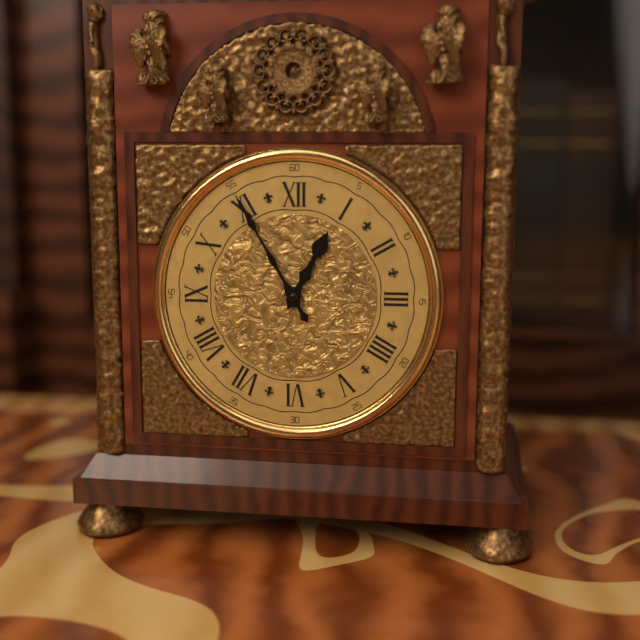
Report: **12:55**
